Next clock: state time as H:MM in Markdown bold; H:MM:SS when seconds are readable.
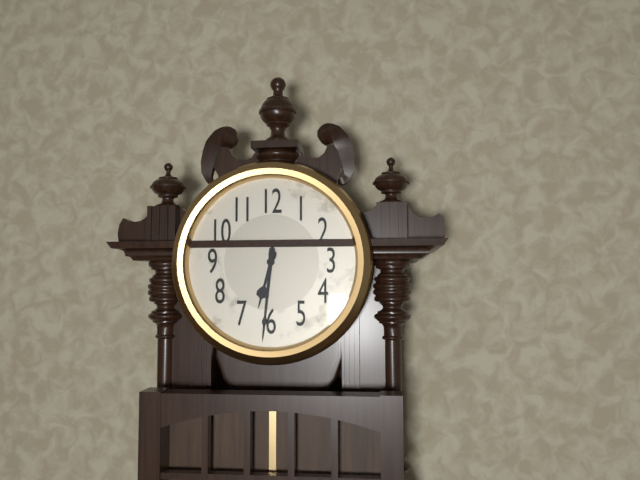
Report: **6:31**
